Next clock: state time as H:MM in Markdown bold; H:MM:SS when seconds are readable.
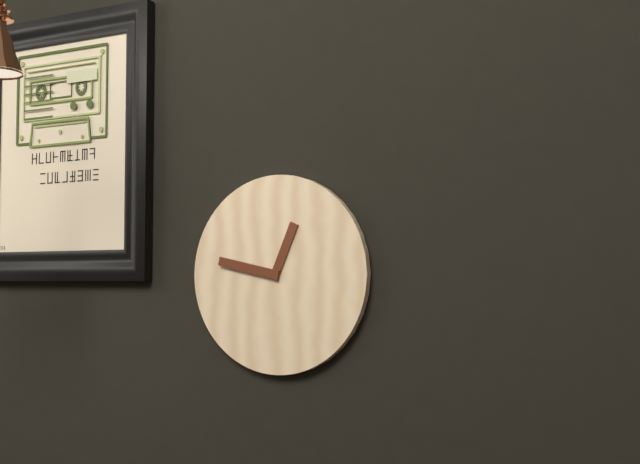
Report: **12:47**
